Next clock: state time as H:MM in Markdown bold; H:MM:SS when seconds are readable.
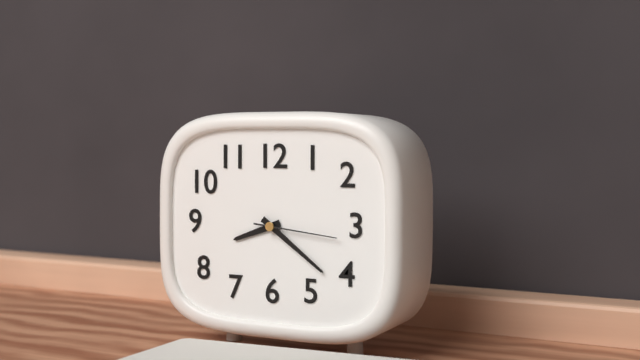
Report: **8:21:16**
